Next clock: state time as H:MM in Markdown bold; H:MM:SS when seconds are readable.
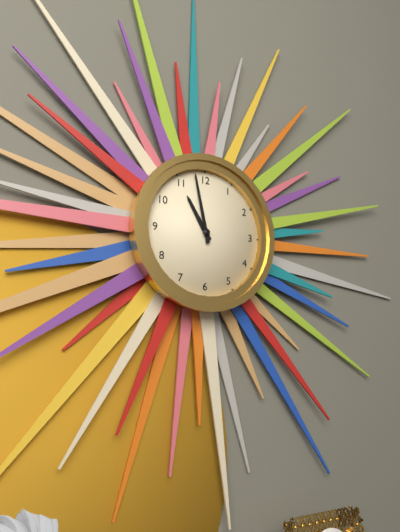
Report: **10:58**
